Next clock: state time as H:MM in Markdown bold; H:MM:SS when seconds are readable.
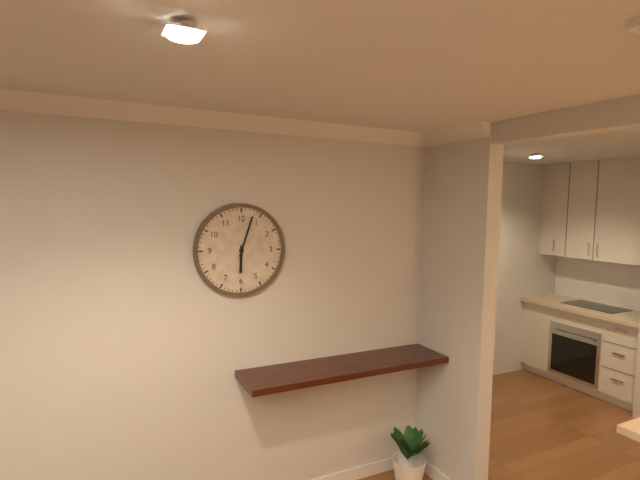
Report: **6:03**
